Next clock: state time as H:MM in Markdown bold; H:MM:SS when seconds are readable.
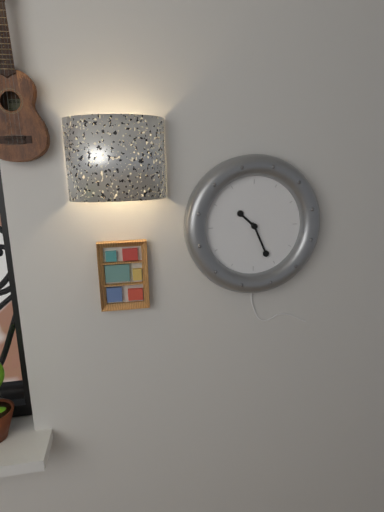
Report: **10:26**
